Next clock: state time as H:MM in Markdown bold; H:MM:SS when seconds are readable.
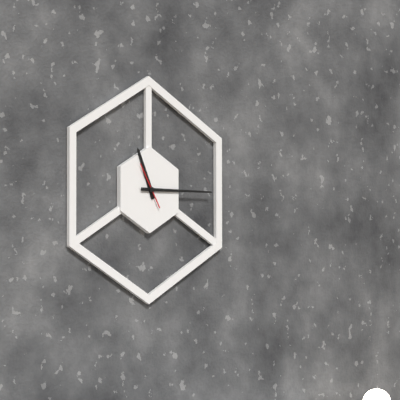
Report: **11:15**
